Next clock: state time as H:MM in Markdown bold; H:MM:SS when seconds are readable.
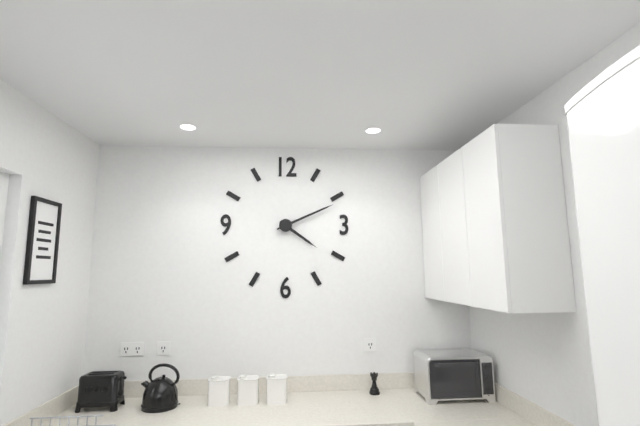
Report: **4:11**
